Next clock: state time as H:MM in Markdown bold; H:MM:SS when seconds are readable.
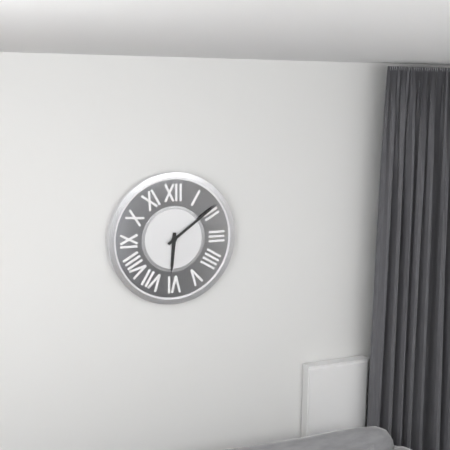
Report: **6:09**
